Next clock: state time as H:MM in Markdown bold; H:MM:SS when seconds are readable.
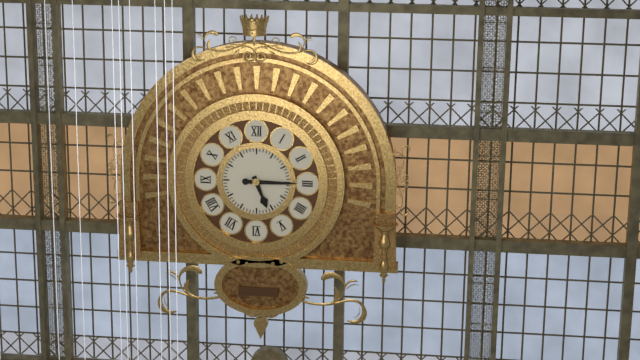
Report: **5:15**
